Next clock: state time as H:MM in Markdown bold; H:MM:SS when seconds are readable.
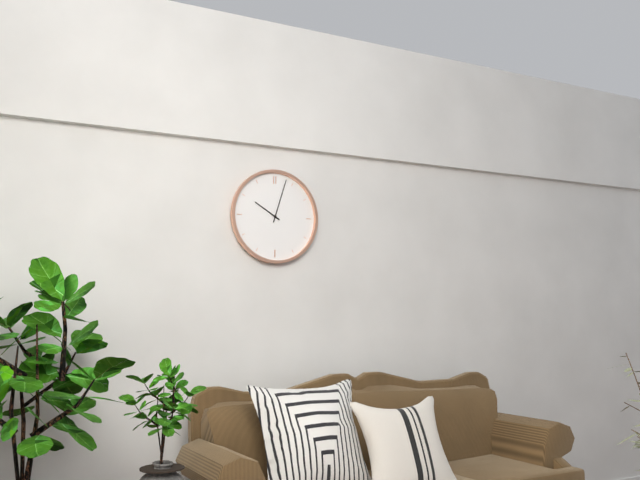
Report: **10:03**
